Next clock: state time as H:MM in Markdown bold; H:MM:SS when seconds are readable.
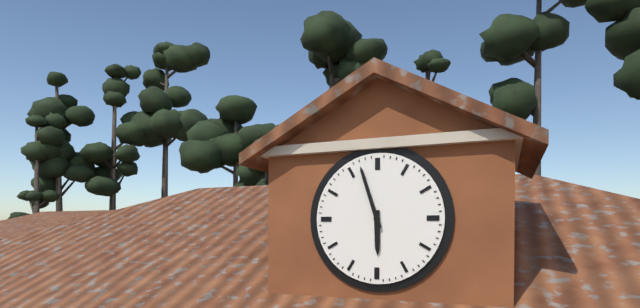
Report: **5:57**
